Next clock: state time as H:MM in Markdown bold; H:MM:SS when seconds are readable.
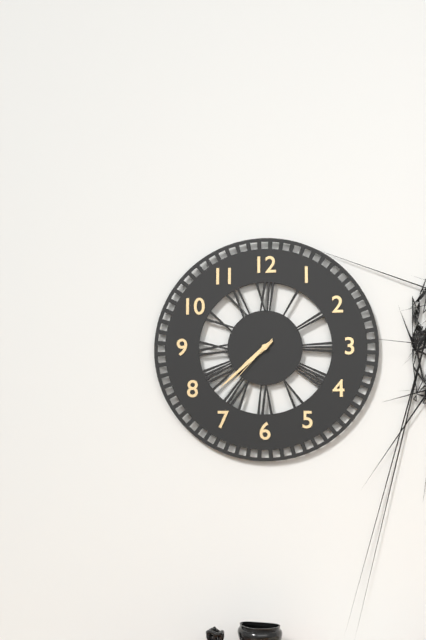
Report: **7:38:37**
